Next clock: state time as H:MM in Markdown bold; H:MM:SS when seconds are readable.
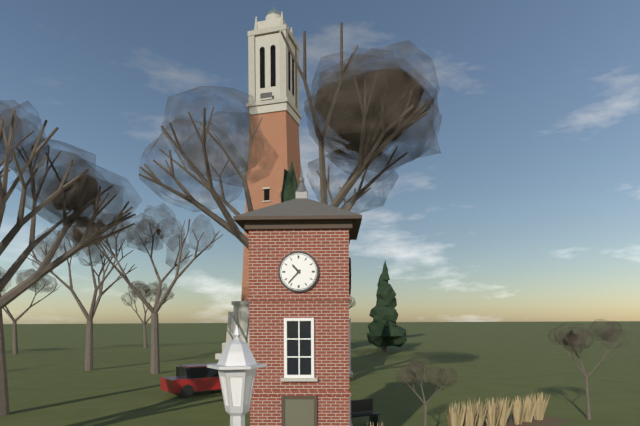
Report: **10:37**
